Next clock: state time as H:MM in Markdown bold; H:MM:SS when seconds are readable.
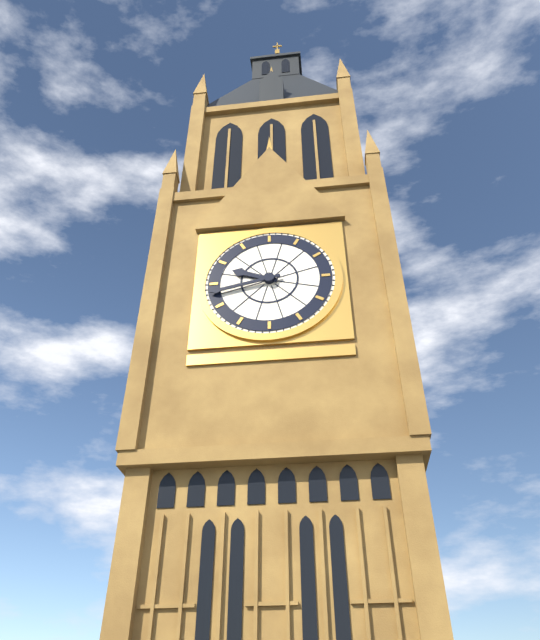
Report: **9:43**
